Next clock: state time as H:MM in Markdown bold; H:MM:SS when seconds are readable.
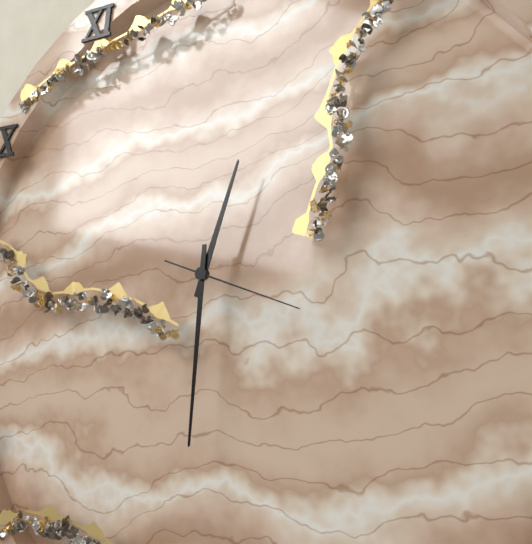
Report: **12:30:18**
